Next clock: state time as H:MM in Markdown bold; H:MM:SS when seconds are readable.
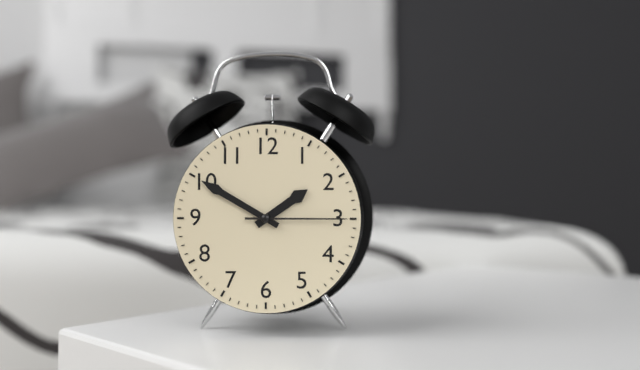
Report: **1:50:15**
